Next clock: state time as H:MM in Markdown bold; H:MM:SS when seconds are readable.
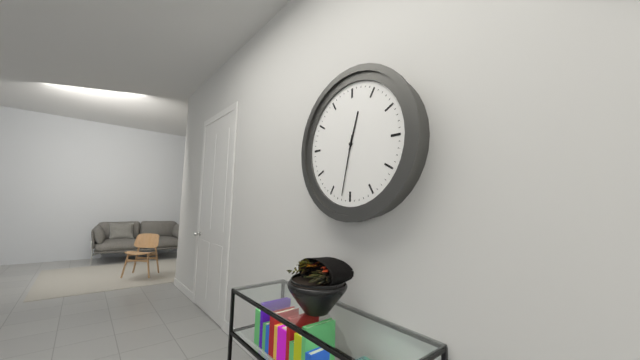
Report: **12:32**
